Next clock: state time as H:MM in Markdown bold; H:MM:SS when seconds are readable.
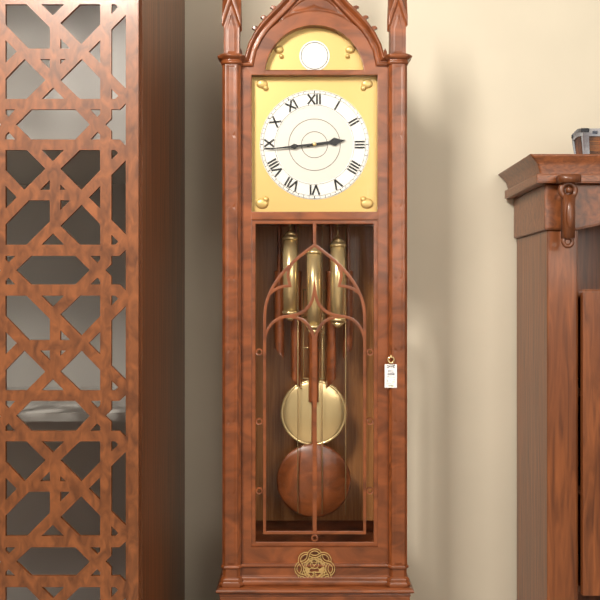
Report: **2:44**
